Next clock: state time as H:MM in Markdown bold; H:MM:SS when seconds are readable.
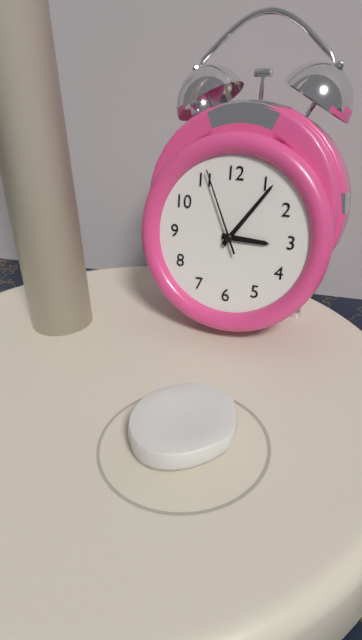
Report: **3:06:56**
